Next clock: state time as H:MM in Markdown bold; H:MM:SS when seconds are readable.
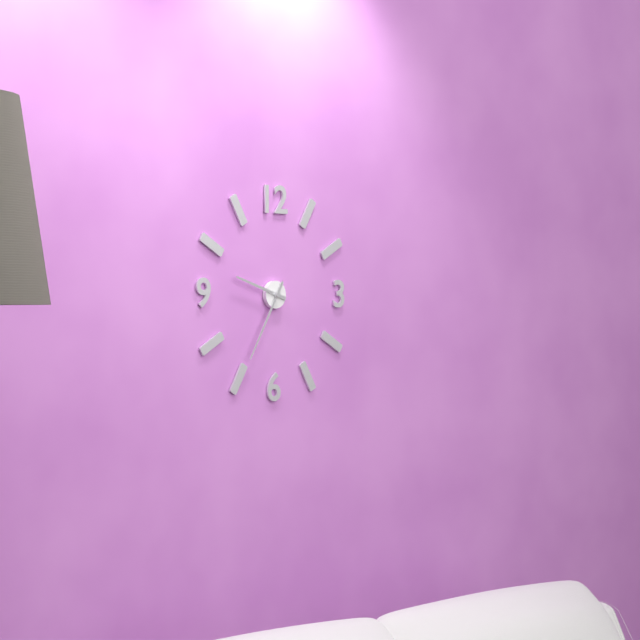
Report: **9:35**
